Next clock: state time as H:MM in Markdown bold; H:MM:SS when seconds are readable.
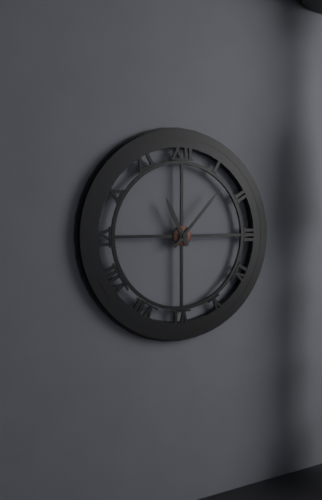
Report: **11:07**
